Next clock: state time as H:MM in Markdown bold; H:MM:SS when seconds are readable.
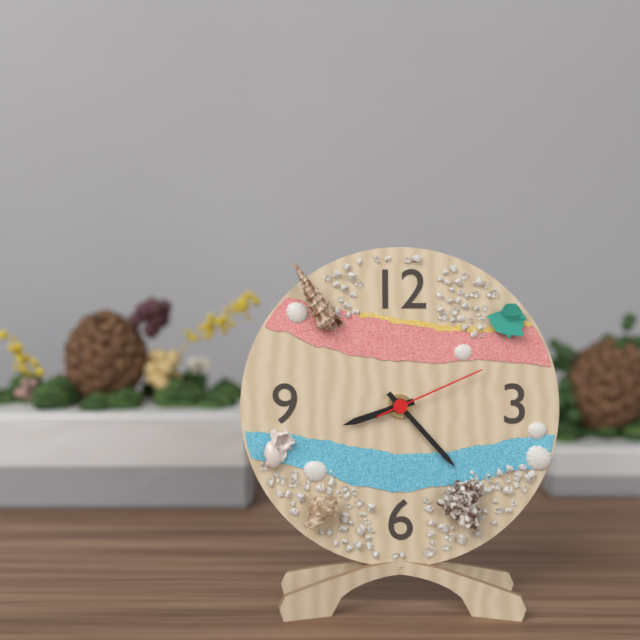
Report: **8:23:11**
